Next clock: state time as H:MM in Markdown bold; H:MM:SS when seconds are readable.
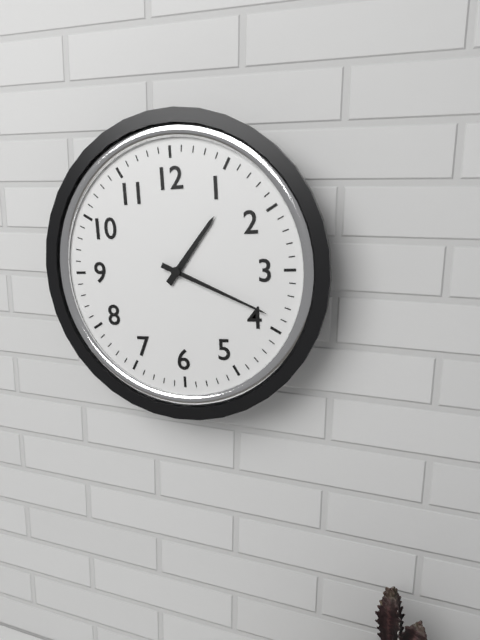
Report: **1:19**
